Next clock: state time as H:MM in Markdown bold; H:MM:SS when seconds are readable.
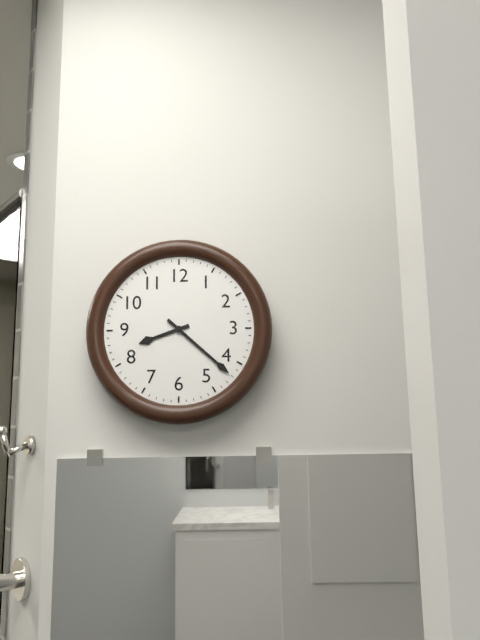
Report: **8:22**
